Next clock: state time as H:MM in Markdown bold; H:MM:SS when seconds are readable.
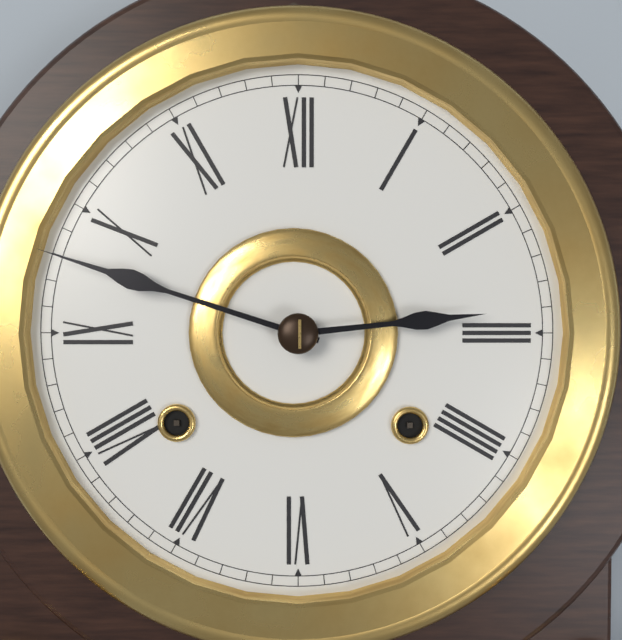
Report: **2:48**
